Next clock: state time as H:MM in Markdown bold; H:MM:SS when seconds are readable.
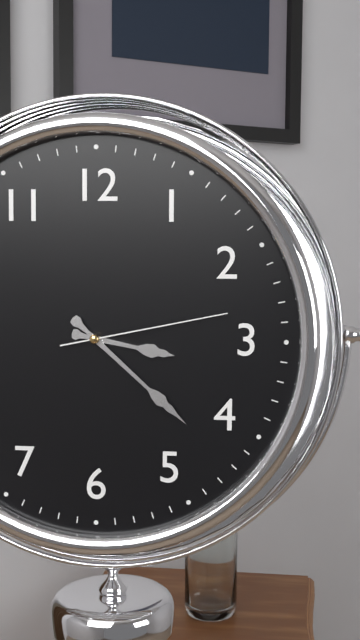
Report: **3:22:13**
